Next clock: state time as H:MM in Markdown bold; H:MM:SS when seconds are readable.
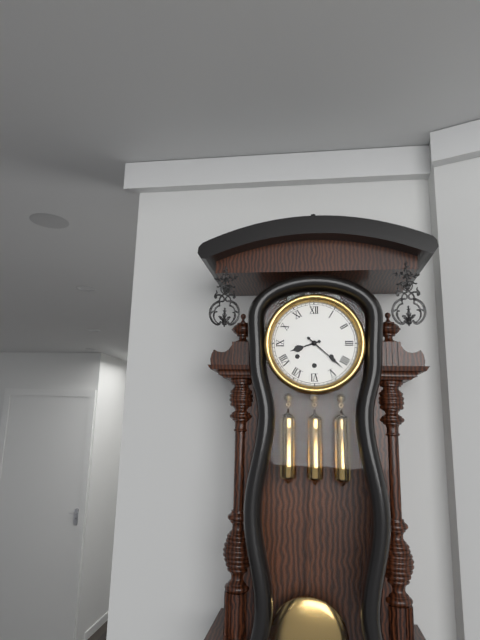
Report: **8:22**
